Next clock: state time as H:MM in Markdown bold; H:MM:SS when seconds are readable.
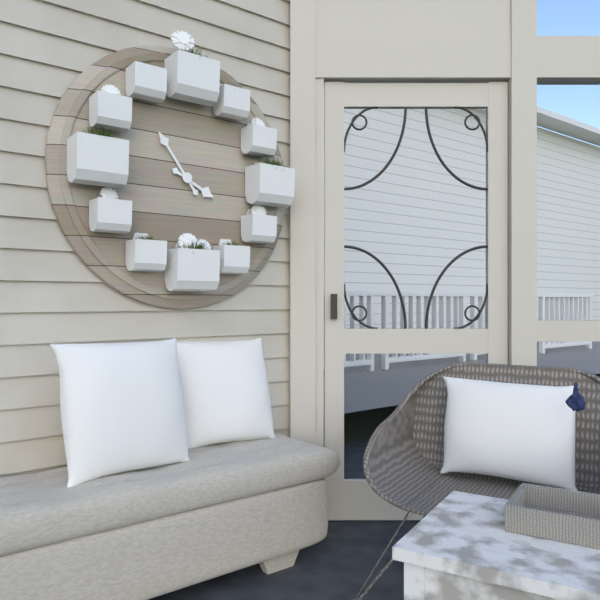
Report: **3:54**
